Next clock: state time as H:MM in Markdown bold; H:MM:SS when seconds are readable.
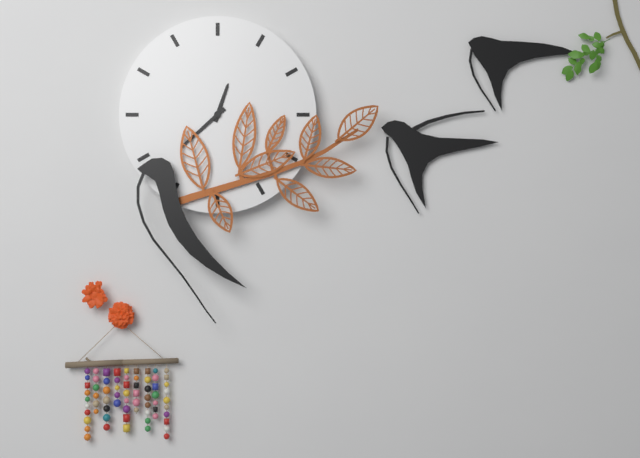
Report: **12:38**
